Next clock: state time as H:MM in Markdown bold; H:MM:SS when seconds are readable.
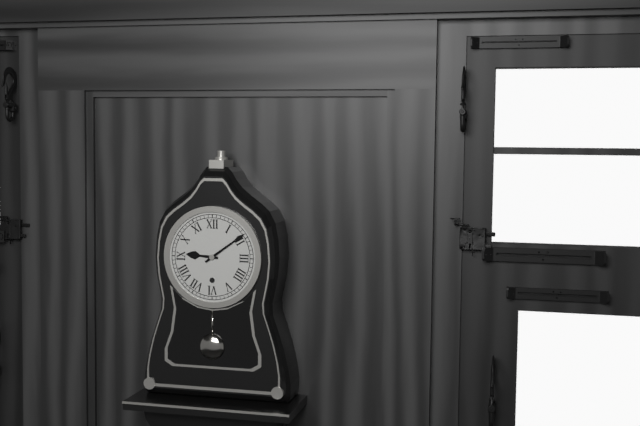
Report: **9:09**
